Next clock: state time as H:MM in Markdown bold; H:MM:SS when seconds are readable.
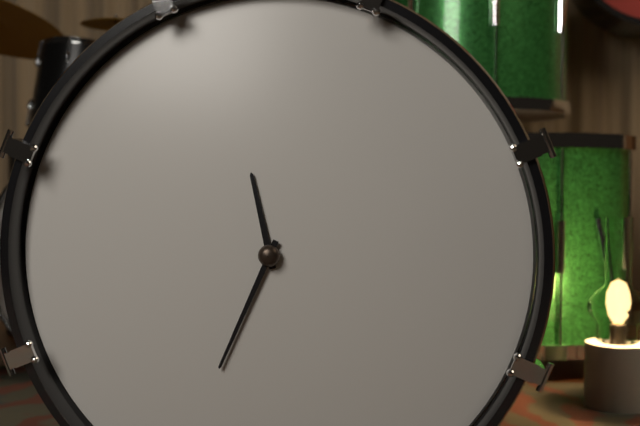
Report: **11:34**
